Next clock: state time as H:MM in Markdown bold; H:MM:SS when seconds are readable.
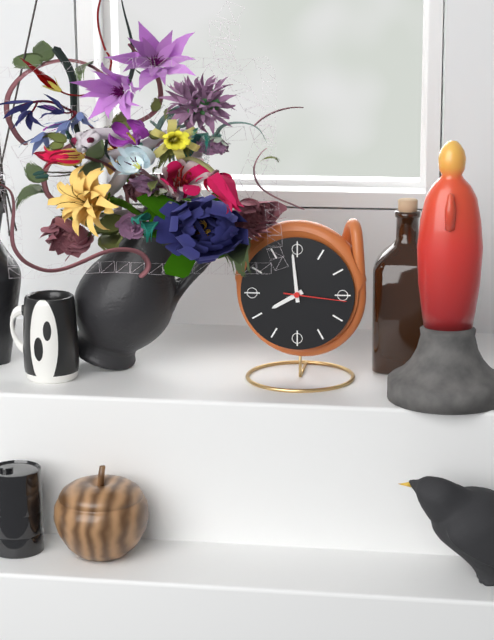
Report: **7:59:16**
